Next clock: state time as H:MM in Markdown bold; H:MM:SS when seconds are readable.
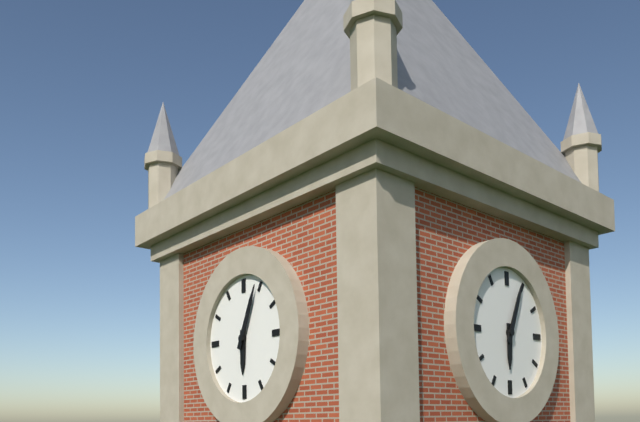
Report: **6:04**
